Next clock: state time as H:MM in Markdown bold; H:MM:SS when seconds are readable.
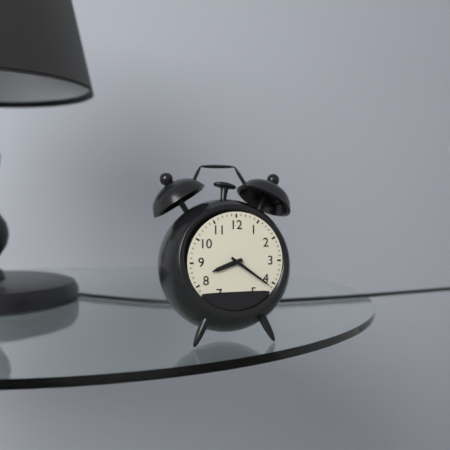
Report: **8:21**
